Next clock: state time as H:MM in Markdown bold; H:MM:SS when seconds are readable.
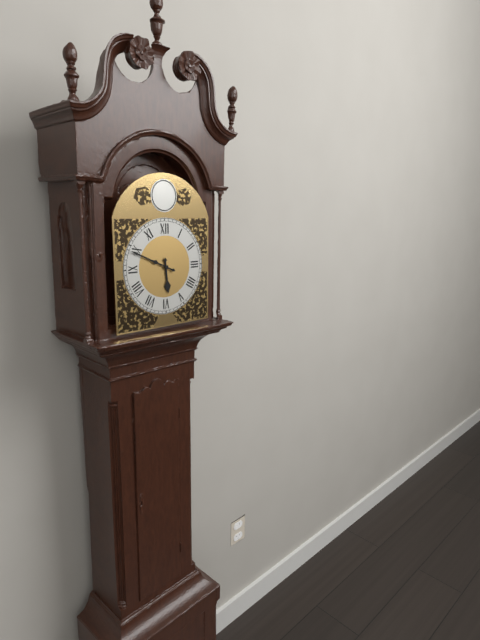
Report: **5:49**
